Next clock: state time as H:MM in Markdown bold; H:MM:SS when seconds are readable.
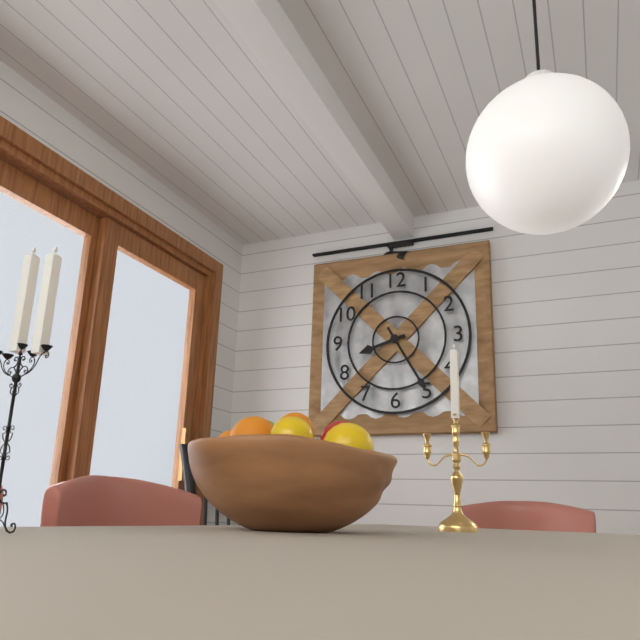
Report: **8:25**
